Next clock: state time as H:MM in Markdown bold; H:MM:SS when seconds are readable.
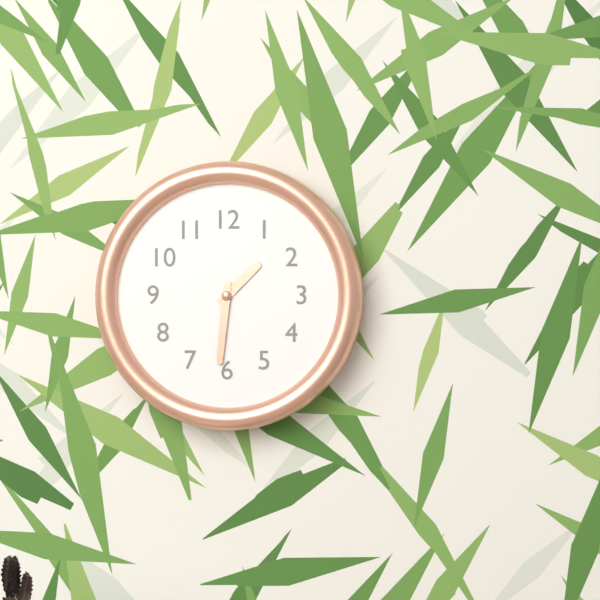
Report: **1:31**
